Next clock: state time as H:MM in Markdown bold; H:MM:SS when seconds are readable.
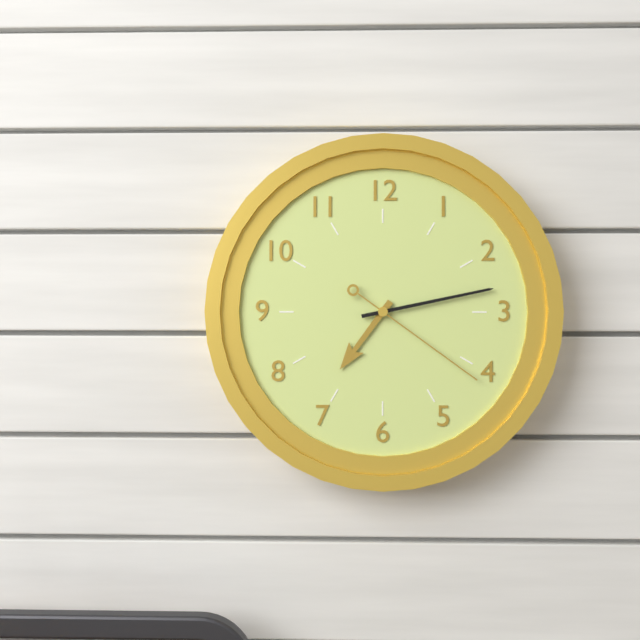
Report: **7:13:21**
